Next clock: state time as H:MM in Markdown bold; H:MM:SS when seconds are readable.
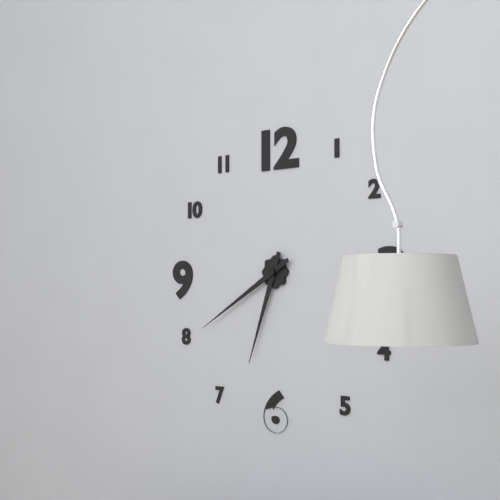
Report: **6:40**
